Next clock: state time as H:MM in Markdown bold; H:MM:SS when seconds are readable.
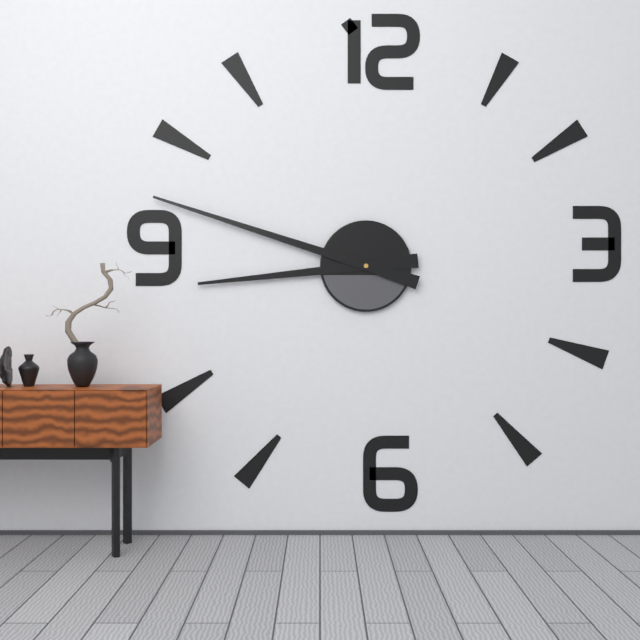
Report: **8:48**
